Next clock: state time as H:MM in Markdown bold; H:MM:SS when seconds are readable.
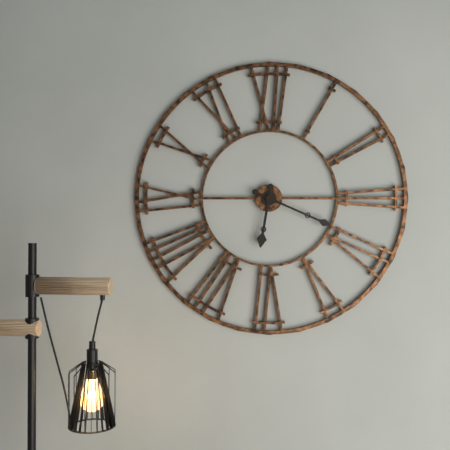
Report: **6:19**
